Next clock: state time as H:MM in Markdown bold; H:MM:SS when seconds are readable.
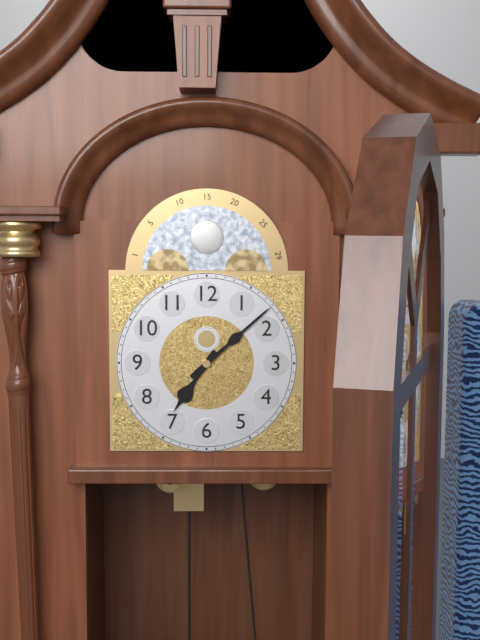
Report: **7:08**
